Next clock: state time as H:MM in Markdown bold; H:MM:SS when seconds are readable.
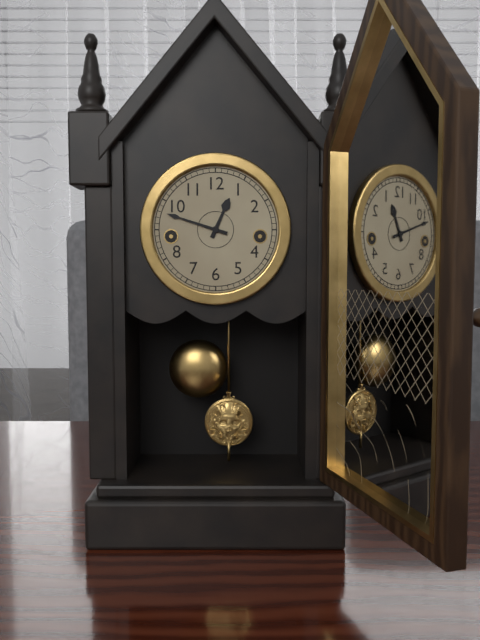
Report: **12:48**
